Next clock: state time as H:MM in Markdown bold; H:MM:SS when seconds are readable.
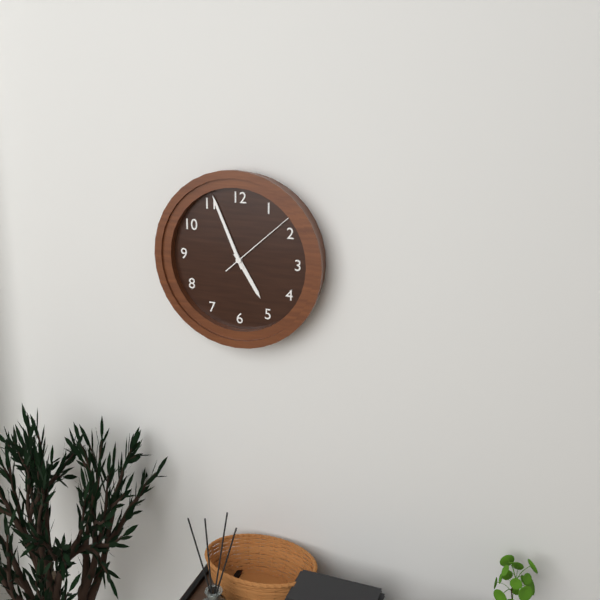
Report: **4:56:08**
